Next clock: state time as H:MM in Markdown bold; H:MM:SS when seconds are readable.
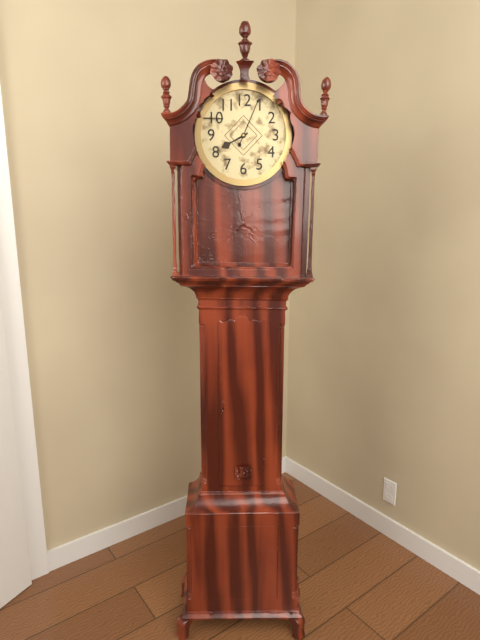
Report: **8:04**
